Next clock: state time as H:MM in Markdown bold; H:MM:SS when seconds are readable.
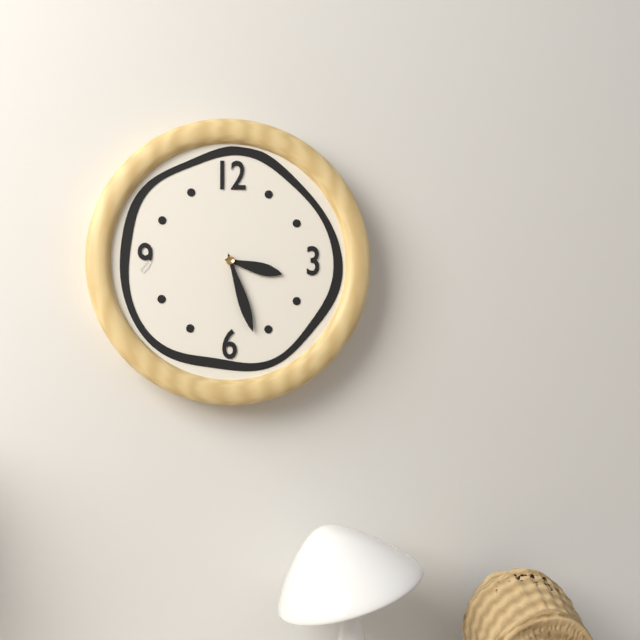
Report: **3:27**
